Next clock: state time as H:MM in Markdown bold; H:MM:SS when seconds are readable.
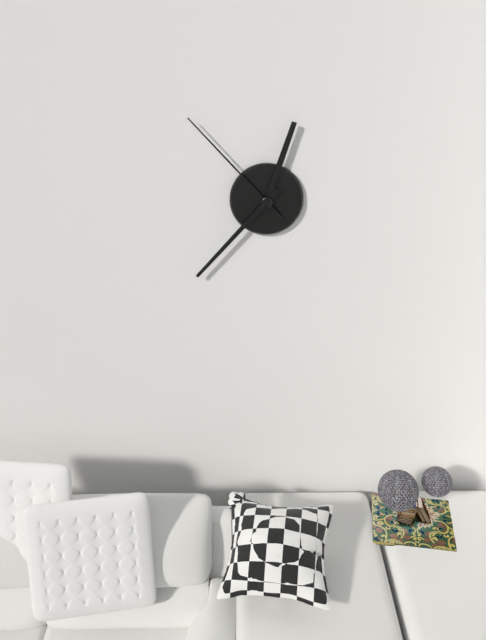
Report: **12:37:53**
